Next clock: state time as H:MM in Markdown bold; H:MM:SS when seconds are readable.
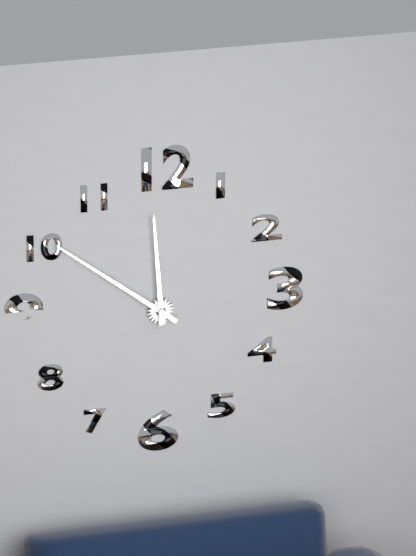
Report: **11:51**
